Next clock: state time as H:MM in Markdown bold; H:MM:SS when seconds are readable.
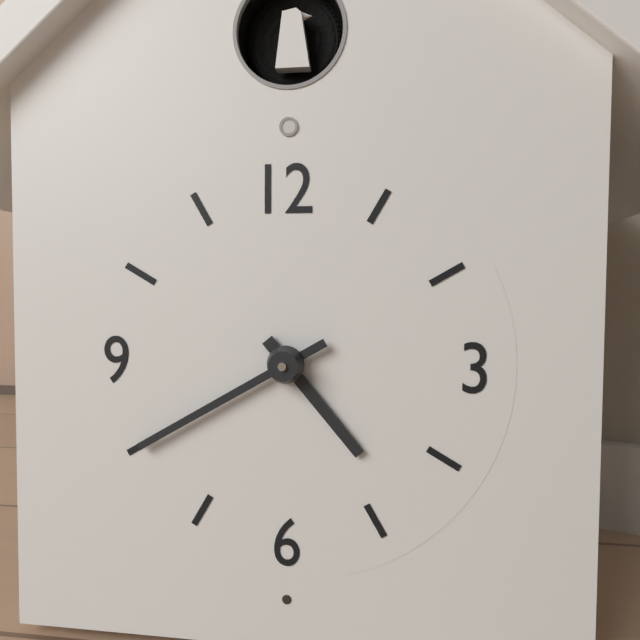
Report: **4:40**
